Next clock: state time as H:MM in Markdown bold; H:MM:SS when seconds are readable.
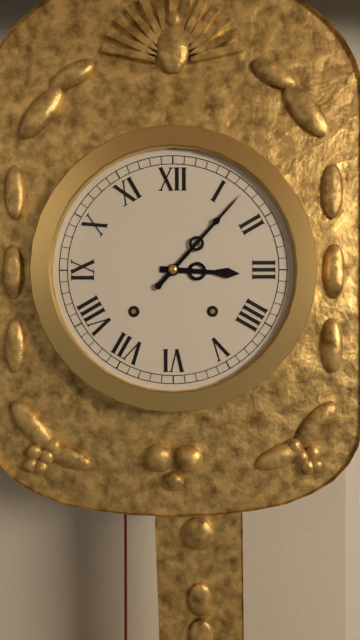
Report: **3:07**
